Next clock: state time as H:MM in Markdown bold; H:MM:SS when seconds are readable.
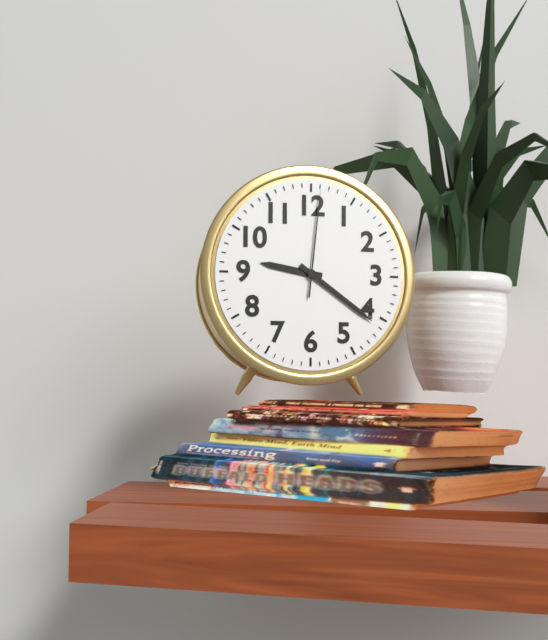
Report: **9:21:01**
